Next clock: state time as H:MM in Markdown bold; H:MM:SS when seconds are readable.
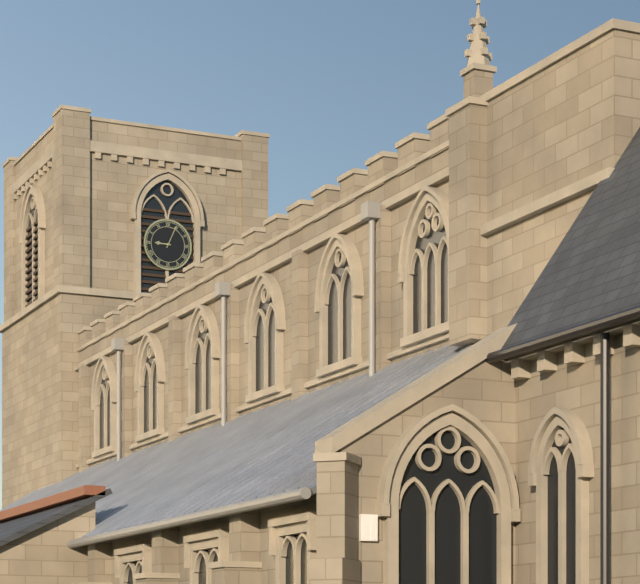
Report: **9:04**
